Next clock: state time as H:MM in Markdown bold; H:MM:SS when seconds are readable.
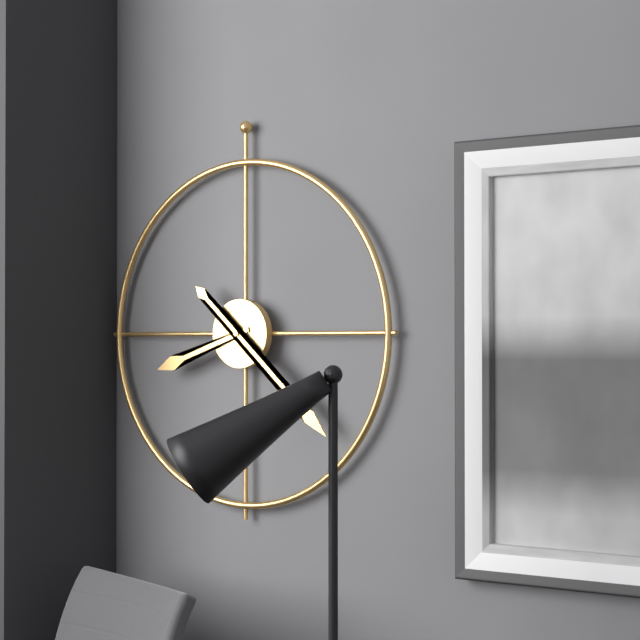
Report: **8:22**
